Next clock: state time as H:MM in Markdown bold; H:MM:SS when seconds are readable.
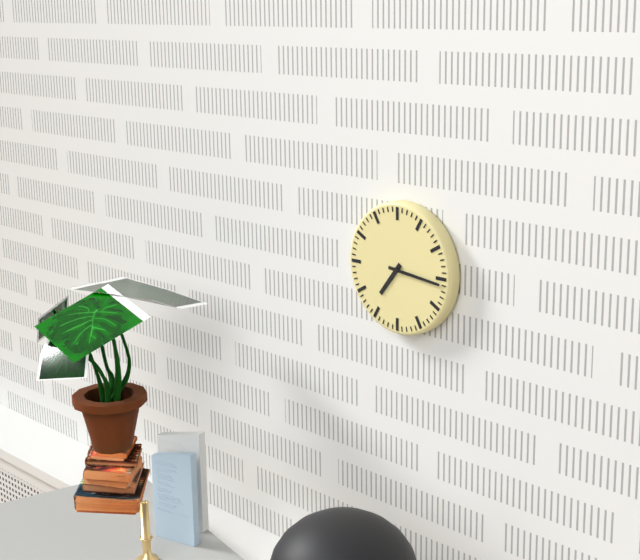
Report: **7:16**
